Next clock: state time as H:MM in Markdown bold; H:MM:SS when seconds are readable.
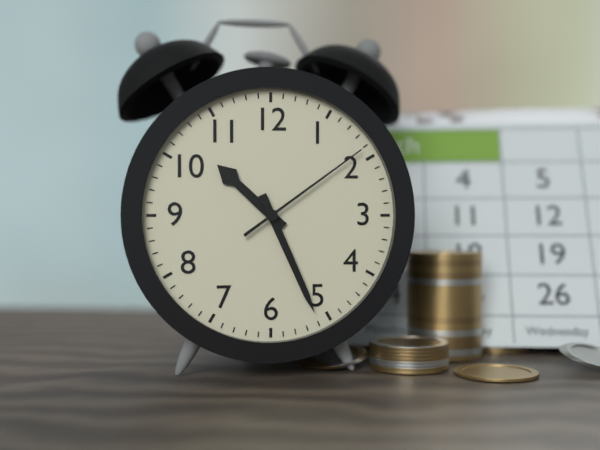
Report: **10:26:09**
